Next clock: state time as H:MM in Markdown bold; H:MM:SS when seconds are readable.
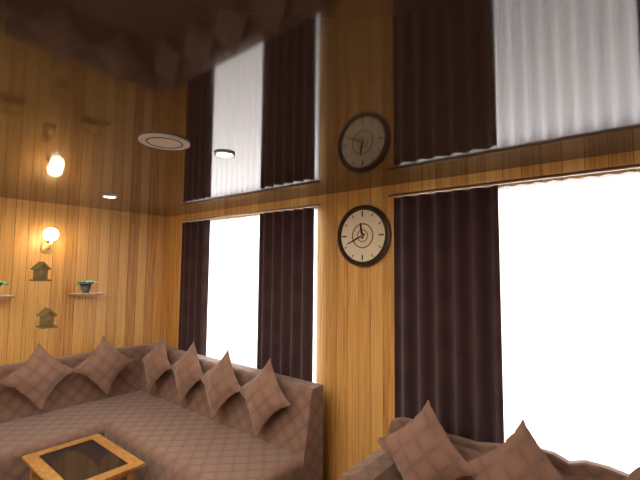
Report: **11:41**
